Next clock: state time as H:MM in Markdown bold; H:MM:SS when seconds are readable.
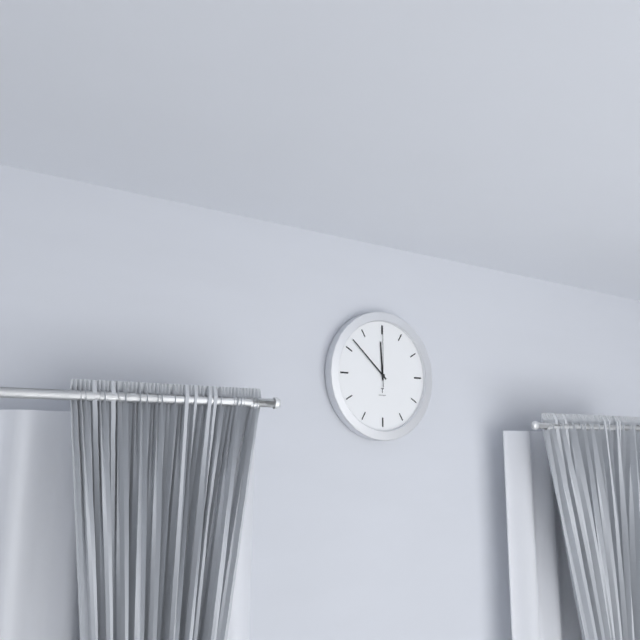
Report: **11:52:00**
